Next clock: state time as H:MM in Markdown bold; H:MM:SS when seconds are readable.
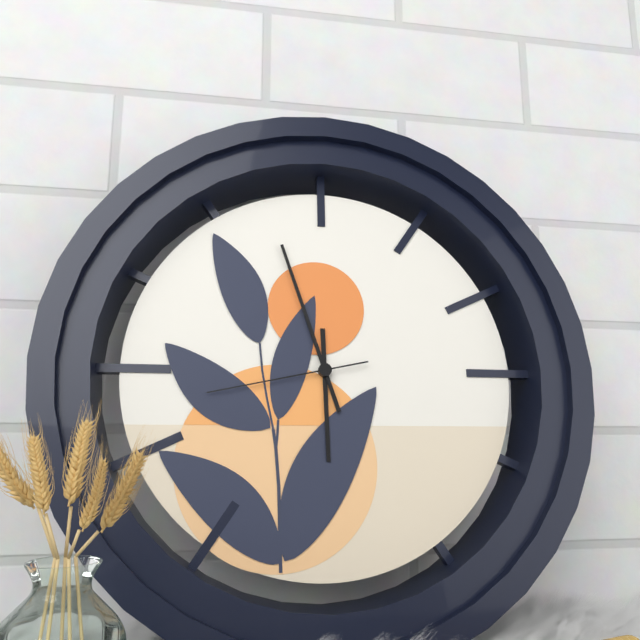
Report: **5:57:43**
